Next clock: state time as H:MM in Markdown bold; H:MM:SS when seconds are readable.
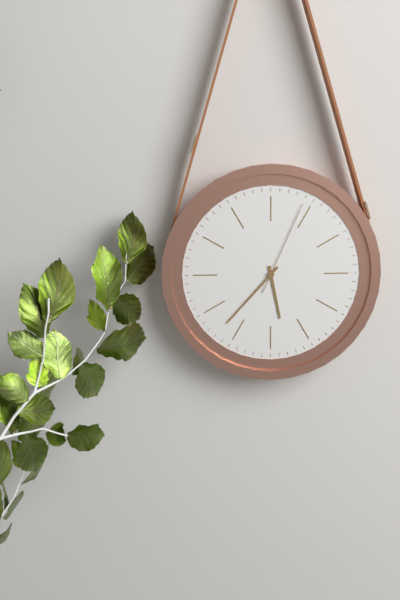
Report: **5:37:04**
